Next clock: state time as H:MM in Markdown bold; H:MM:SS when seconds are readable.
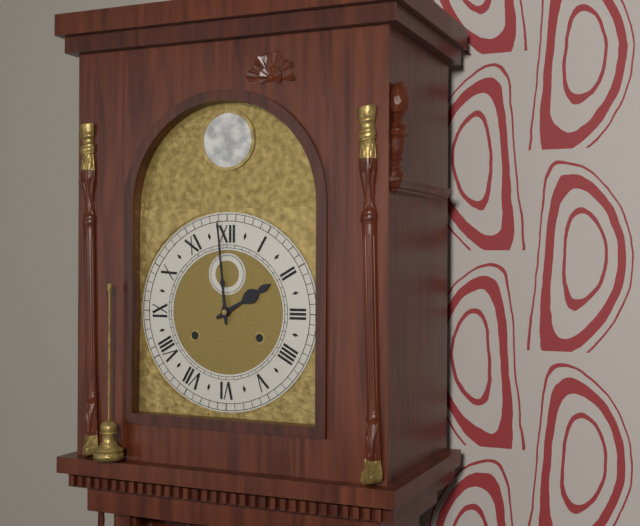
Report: **1:59**
